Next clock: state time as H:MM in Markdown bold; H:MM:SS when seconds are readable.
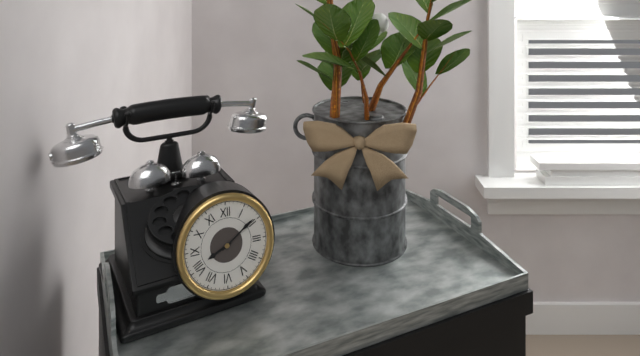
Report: **8:09**
